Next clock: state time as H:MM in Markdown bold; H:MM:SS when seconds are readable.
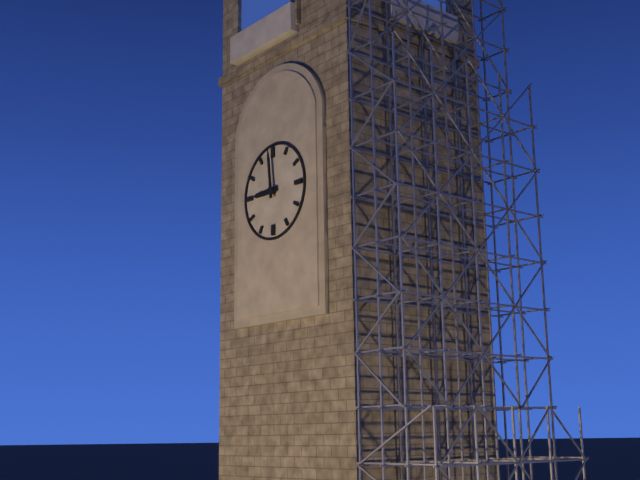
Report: **8:59**
